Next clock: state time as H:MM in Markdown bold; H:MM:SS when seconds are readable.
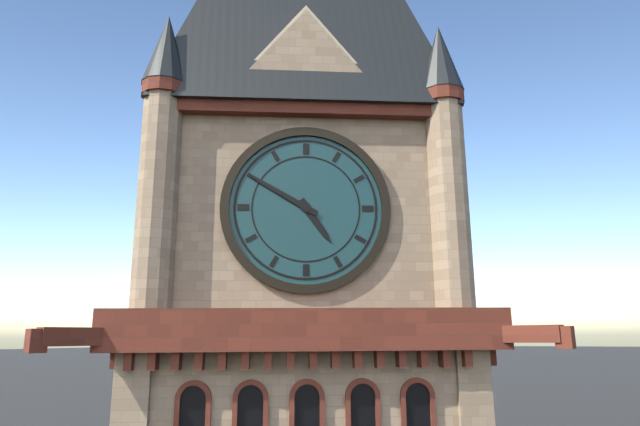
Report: **4:50**
